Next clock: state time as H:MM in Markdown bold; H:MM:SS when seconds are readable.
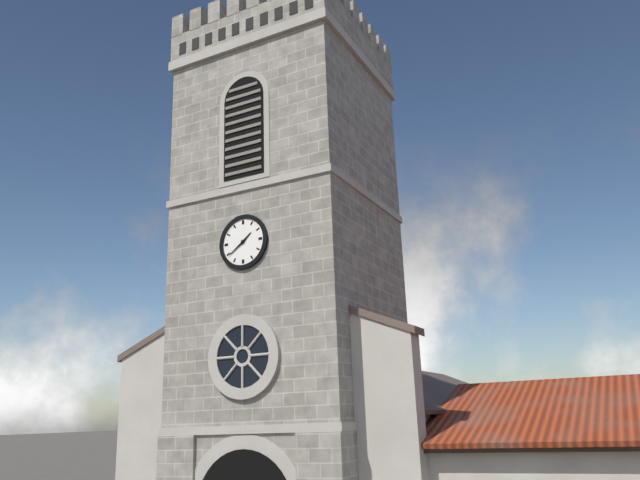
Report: **1:39**
